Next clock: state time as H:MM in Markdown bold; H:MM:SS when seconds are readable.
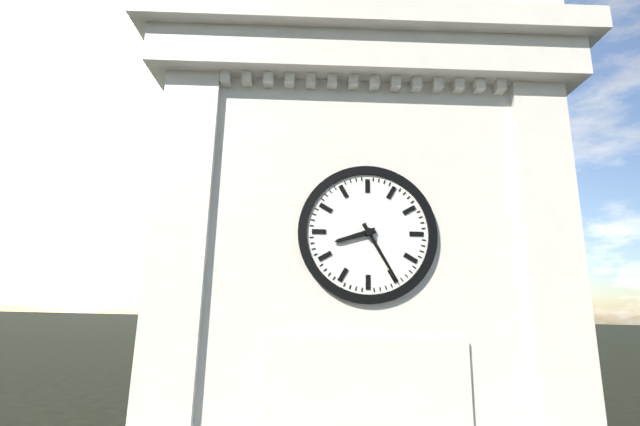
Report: **8:25**
